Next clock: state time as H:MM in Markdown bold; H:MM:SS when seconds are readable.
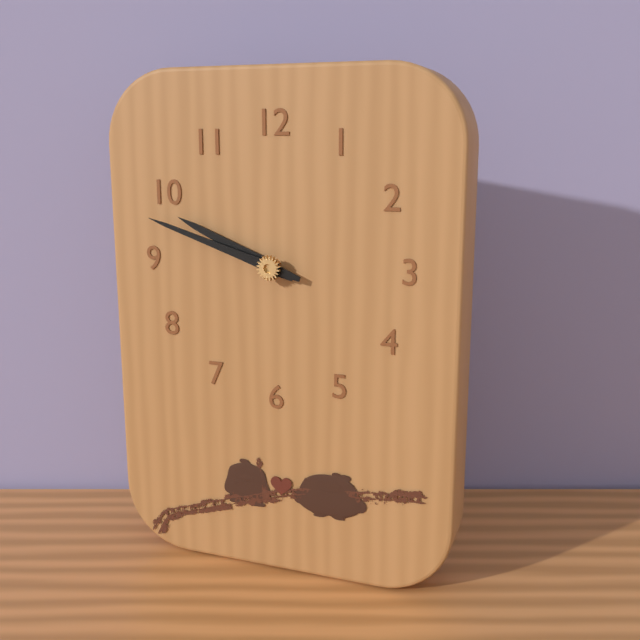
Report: **9:48**
